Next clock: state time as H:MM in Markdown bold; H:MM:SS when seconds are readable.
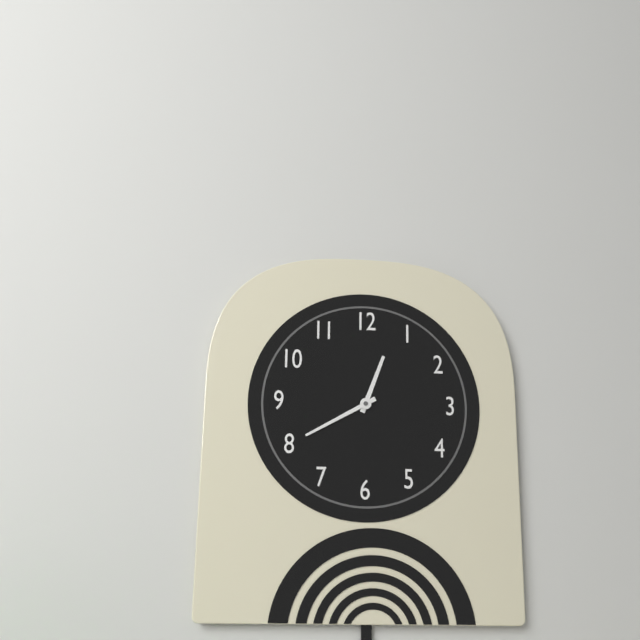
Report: **12:40**
